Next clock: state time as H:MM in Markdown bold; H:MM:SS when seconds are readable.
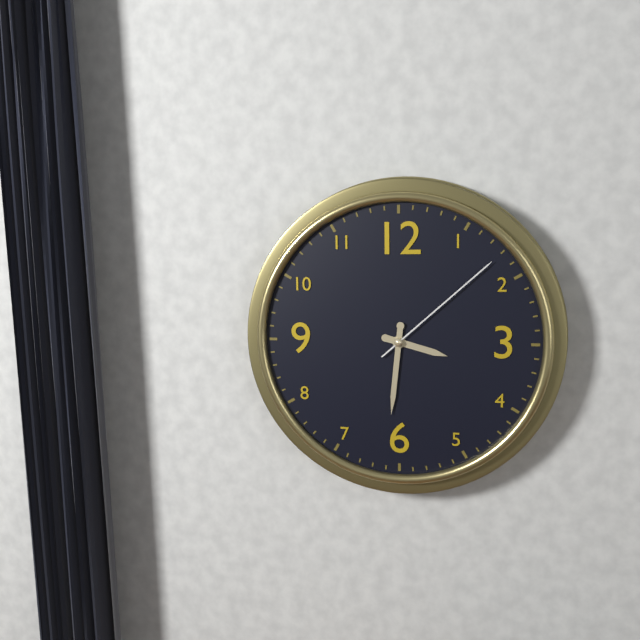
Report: **3:31:08**
